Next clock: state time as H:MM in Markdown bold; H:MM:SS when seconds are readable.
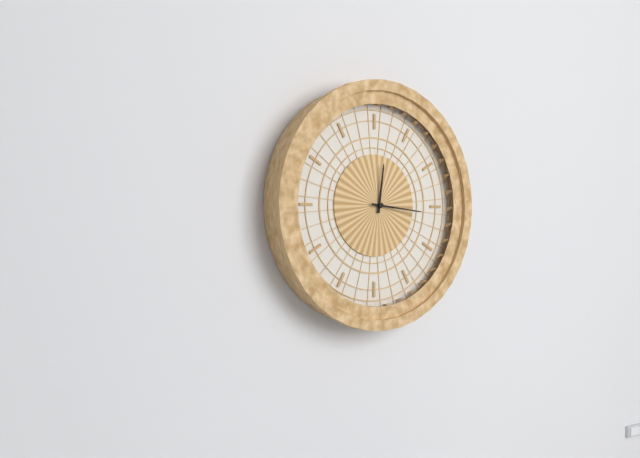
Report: **12:16**
